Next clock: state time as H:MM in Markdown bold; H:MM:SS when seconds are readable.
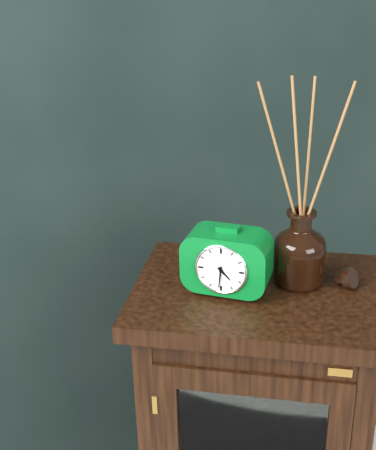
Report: **4:31**
